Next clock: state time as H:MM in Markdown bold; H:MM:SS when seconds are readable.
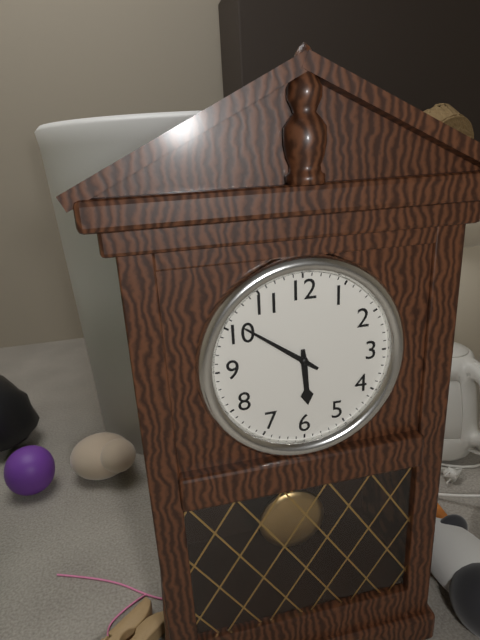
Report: **5:51**
